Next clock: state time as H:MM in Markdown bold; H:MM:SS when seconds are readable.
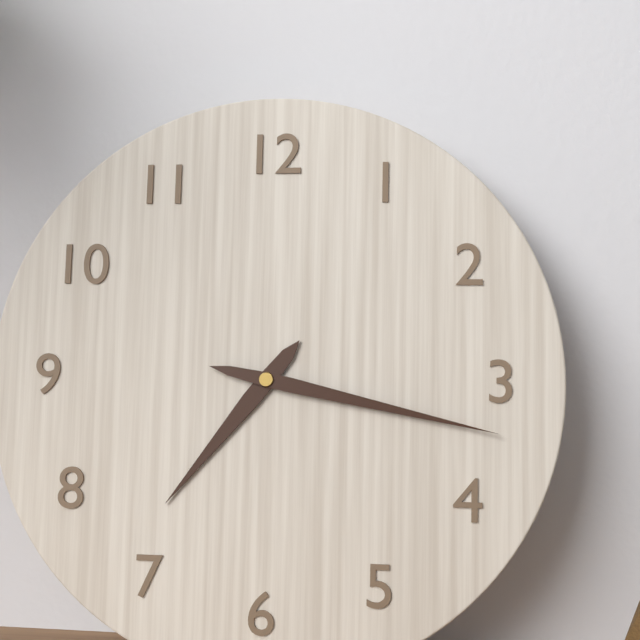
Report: **7:17**
